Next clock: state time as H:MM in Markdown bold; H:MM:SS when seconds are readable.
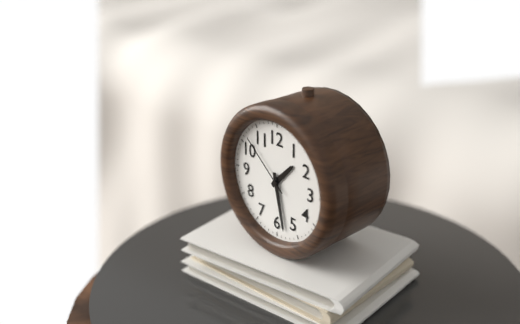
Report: **1:28:52**
